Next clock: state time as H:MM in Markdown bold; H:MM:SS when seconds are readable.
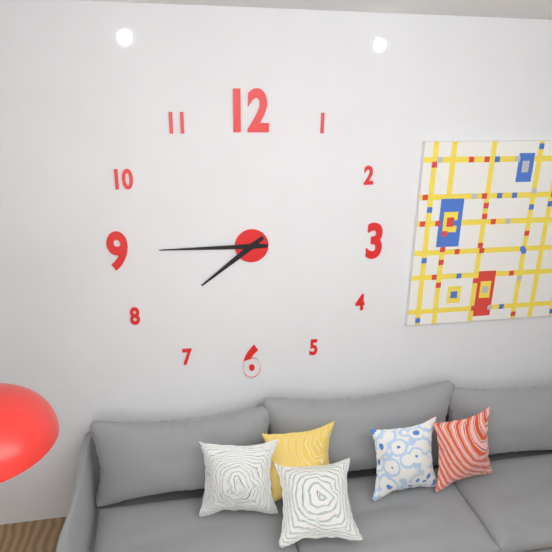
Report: **7:45**
